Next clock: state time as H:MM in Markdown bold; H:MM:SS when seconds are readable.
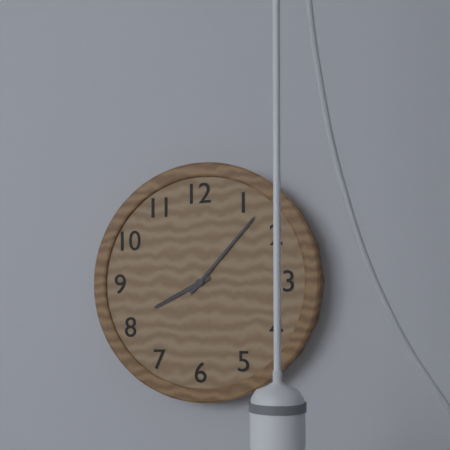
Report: **8:07**
